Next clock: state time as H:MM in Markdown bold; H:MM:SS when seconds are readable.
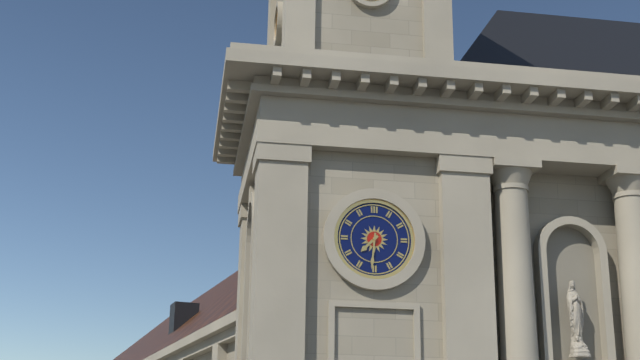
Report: **7:31**
